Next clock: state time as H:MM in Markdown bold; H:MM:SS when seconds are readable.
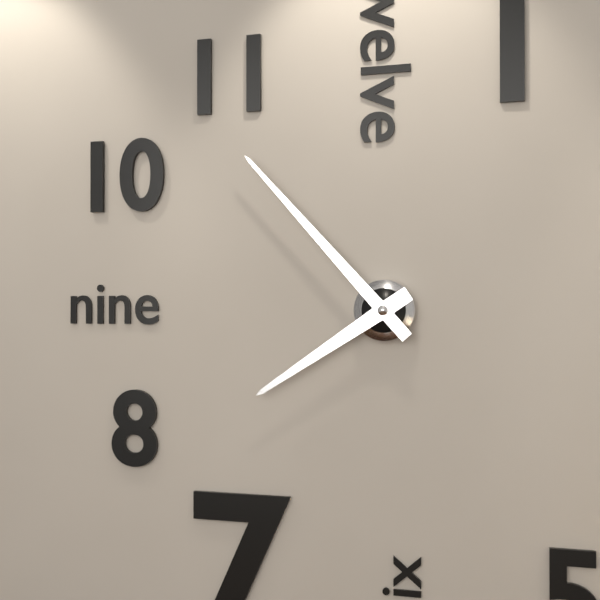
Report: **7:53**
